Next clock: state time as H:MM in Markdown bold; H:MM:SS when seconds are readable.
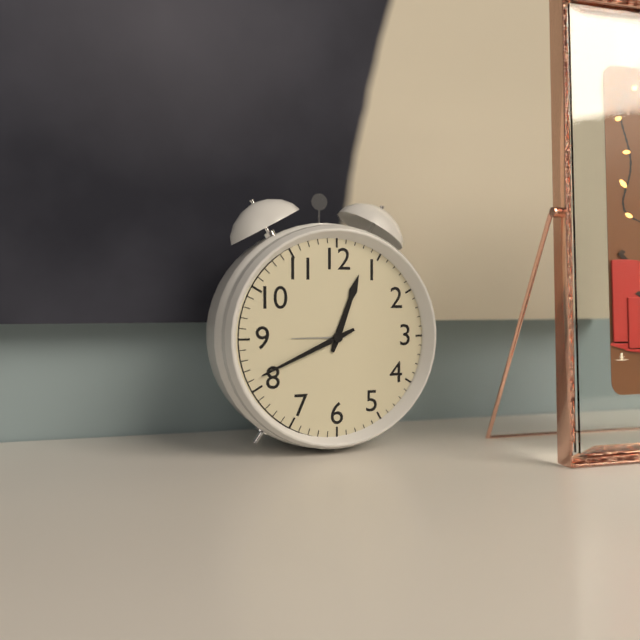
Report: **12:41**
